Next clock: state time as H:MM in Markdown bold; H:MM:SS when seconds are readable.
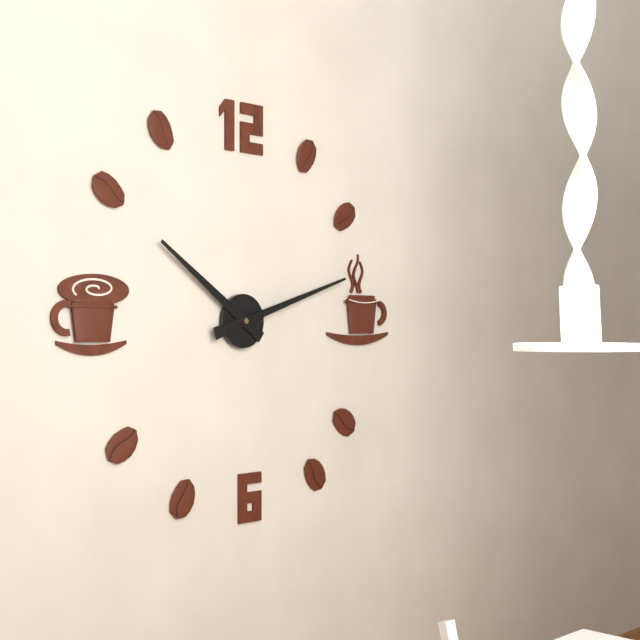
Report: **10:12**
